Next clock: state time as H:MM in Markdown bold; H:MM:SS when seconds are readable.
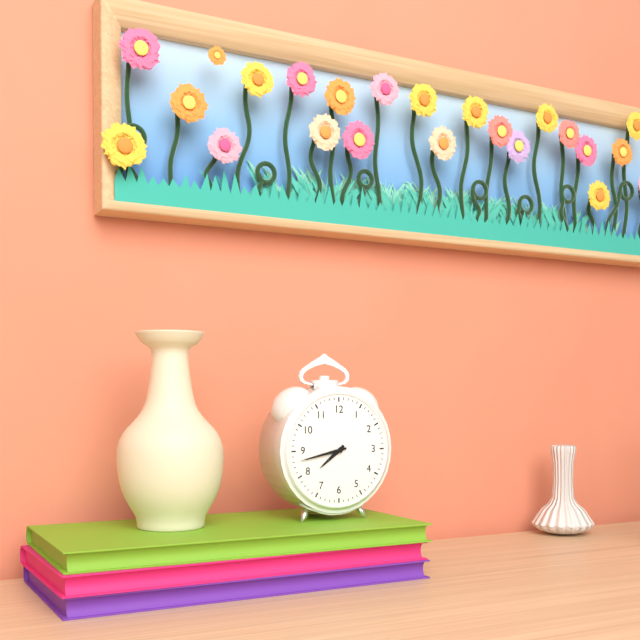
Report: **7:43**
